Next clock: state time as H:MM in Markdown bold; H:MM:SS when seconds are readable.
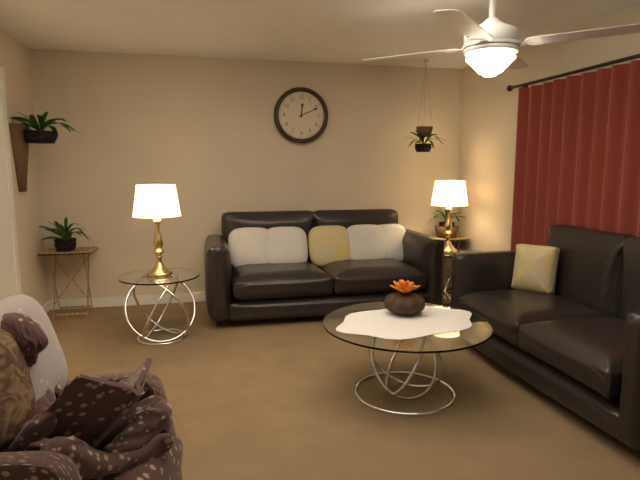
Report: **12:11**
